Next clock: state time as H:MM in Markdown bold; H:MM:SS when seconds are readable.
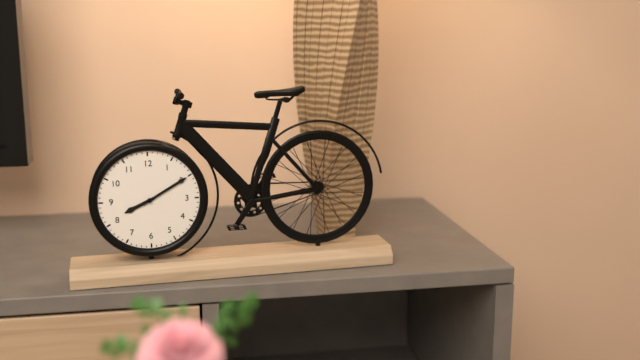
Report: **8:10**
